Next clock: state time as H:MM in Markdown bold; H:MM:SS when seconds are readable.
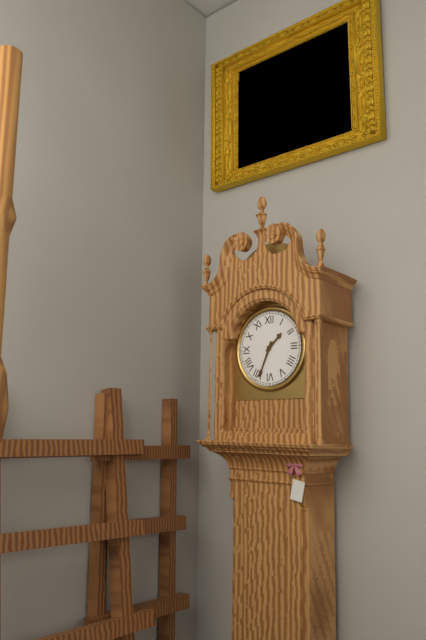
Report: **1:34**
